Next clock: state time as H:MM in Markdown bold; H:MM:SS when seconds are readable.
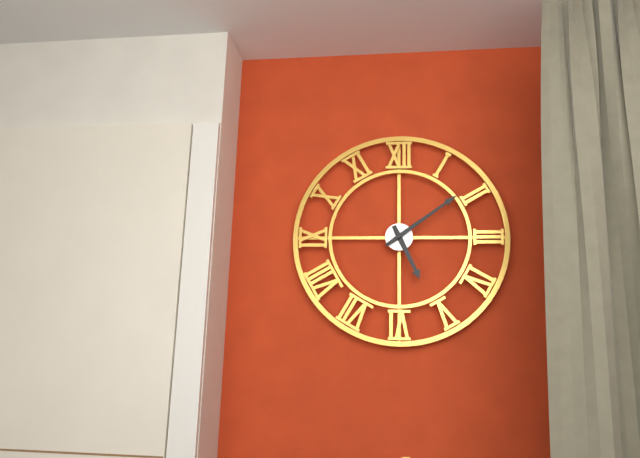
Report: **5:09**
